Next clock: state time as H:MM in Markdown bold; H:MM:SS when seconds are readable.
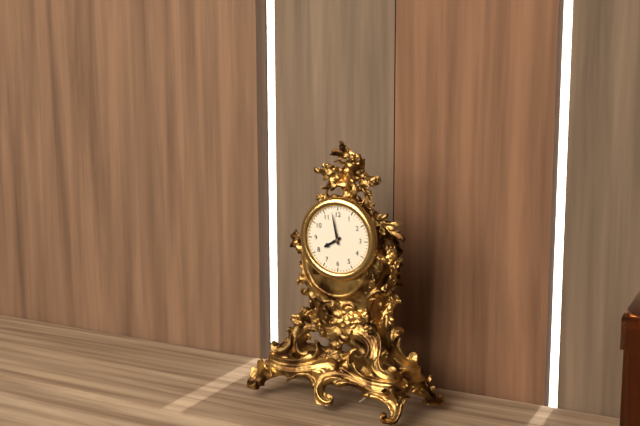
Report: **7:58**
